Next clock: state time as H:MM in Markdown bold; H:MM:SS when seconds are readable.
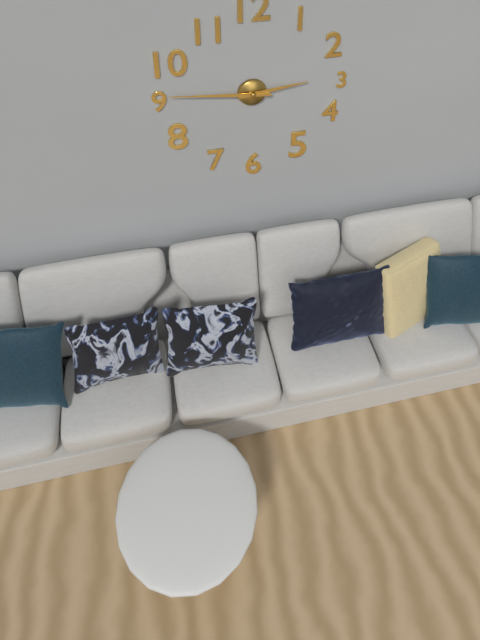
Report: **2:46**
